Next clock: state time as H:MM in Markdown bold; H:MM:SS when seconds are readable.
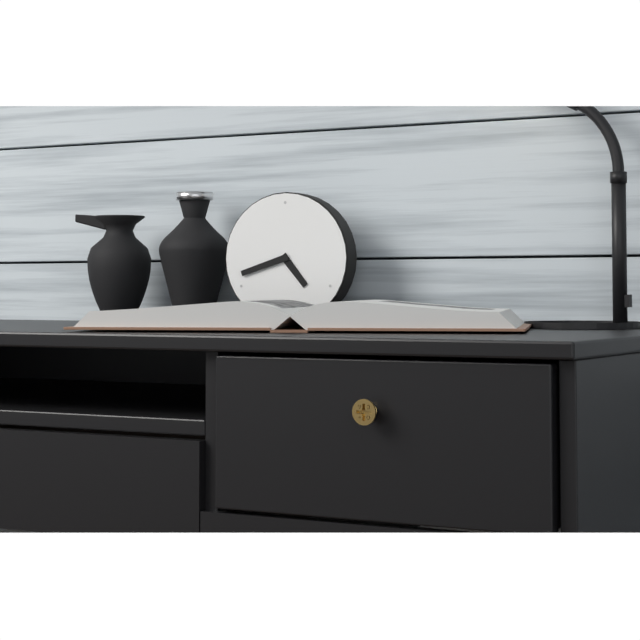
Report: **4:42**
